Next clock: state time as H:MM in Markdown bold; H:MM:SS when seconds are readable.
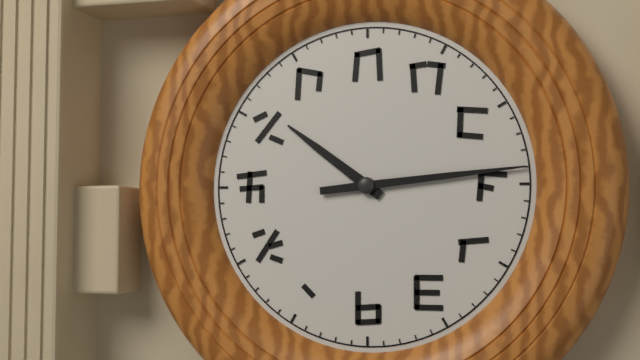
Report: **10:14**
